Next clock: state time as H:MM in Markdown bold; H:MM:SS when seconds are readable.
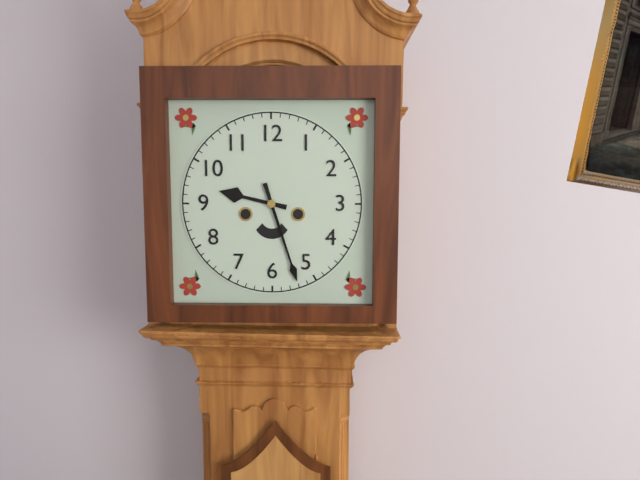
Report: **9:27**
